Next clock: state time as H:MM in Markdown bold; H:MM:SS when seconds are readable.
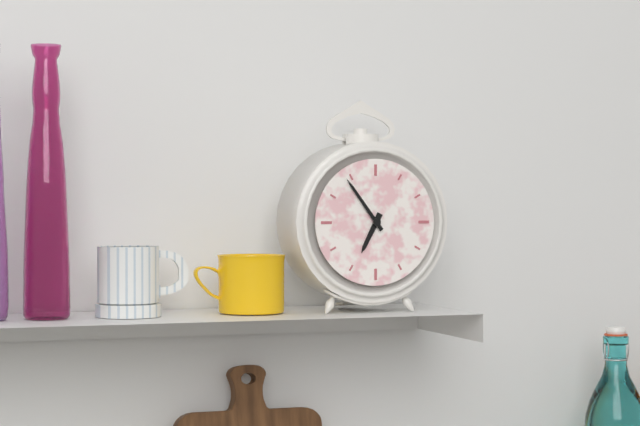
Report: **6:54**
